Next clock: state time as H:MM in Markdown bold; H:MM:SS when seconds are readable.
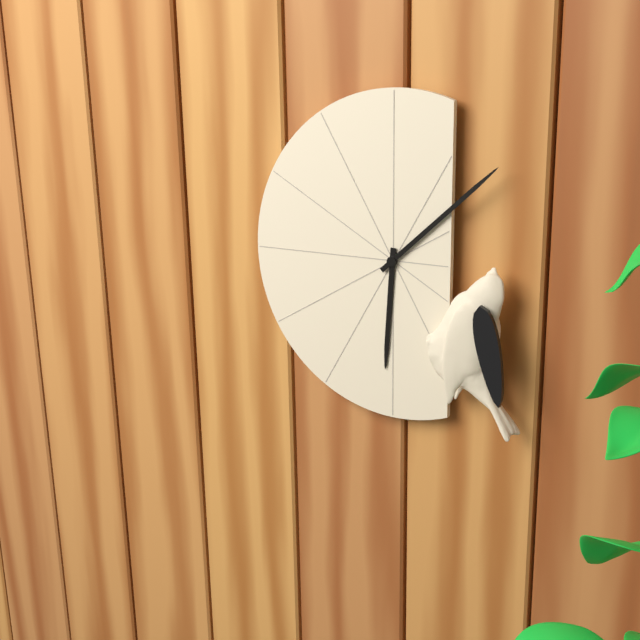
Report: **6:08**
